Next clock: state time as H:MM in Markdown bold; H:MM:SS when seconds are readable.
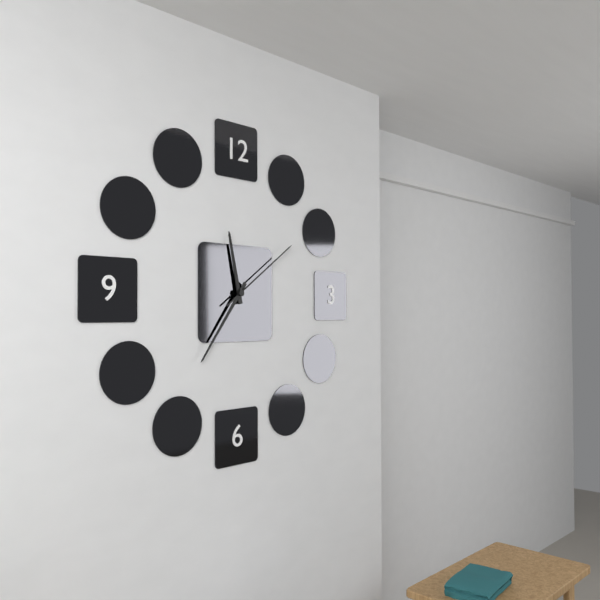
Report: **11:36:09**
